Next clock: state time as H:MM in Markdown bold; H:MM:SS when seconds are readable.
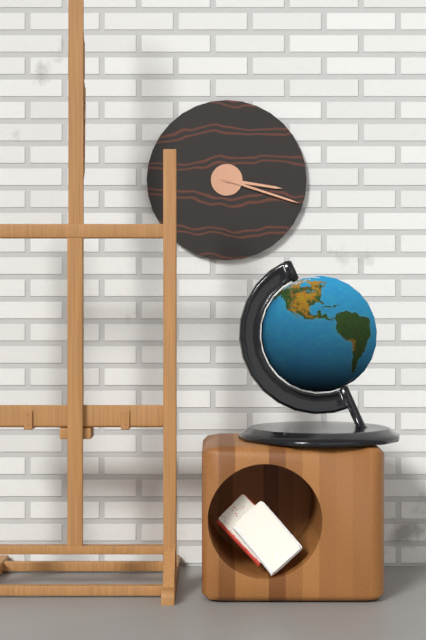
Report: **3:18**
